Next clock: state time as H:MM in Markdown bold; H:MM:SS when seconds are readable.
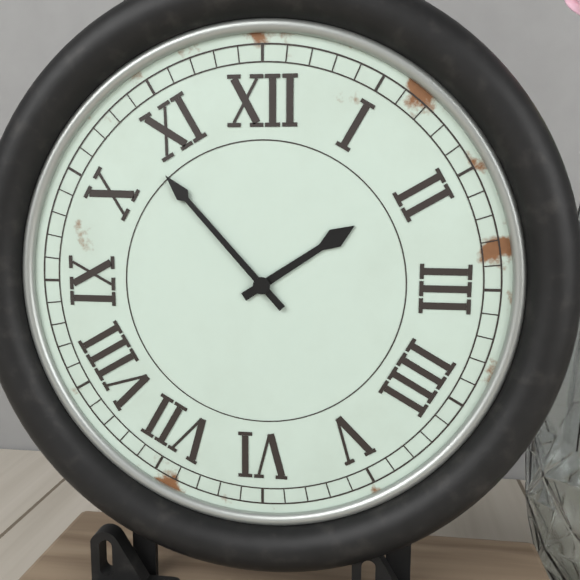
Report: **1:53**
